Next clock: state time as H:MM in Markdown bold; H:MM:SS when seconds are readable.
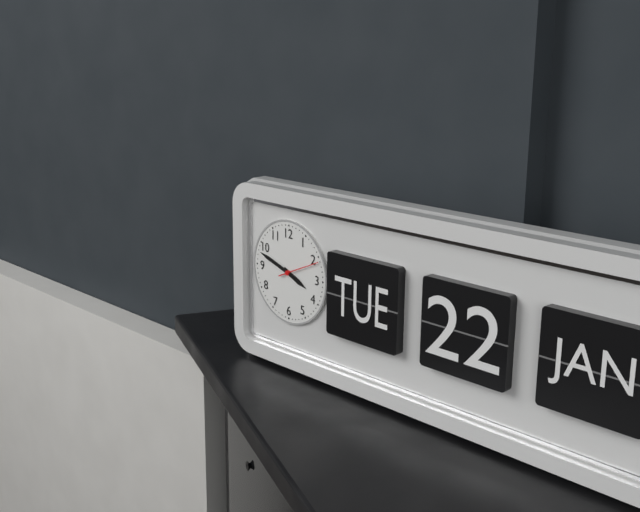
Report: **3:48**
